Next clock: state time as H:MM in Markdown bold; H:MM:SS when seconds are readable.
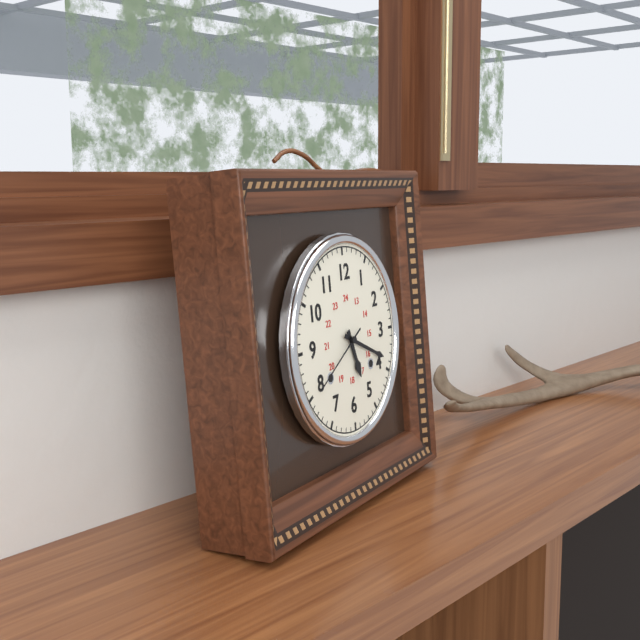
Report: **5:19:40**
